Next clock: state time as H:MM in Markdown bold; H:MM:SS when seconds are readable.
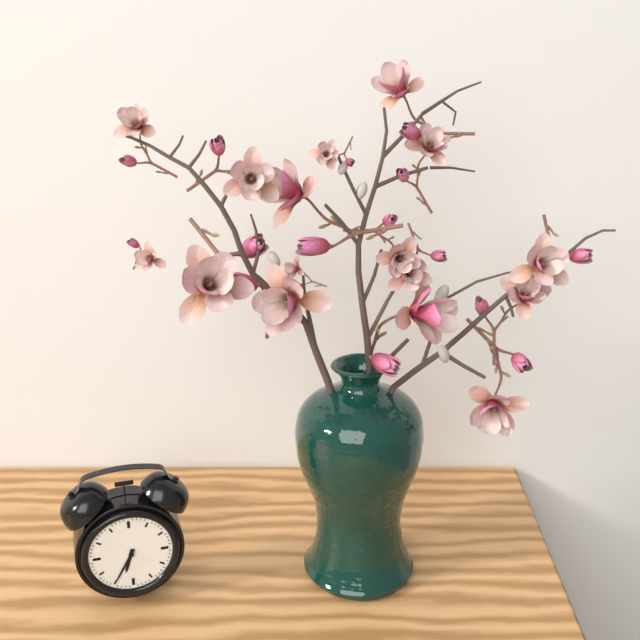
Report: **6:35**
